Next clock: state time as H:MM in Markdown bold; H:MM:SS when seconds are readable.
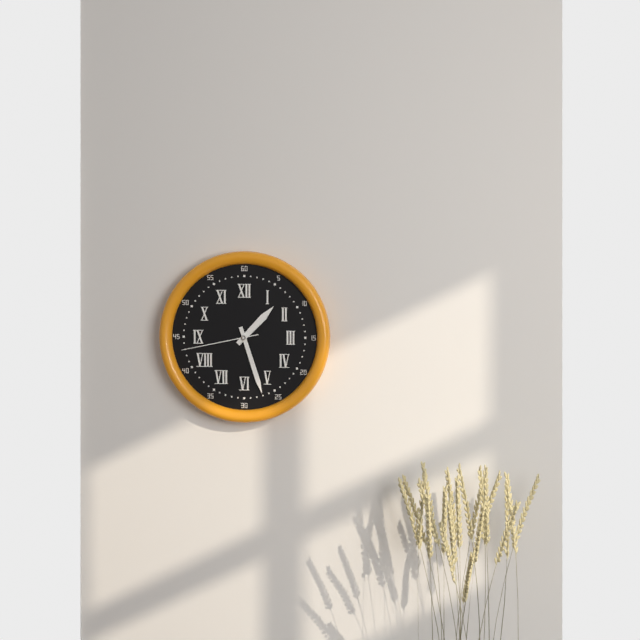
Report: **1:27:43**
